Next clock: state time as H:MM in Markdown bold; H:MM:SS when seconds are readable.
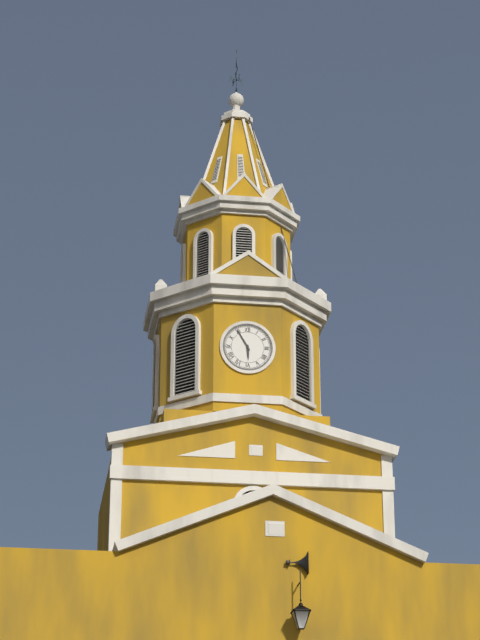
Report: **5:55**
